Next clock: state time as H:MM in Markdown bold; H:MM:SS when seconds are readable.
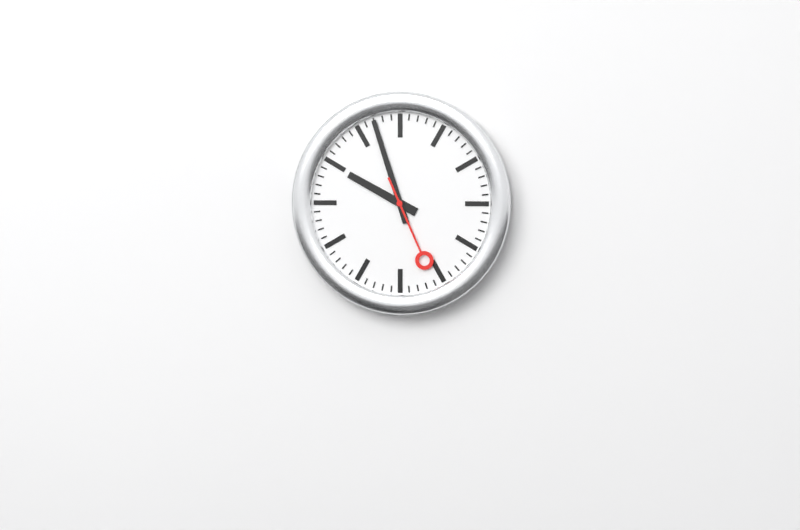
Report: **9:57:26**
